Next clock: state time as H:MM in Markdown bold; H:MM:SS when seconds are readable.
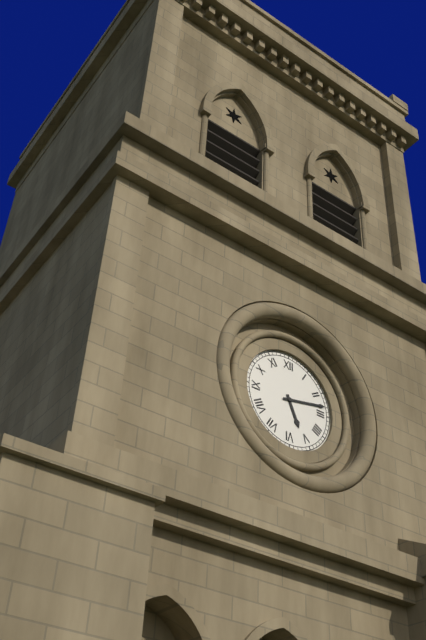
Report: **5:13**
